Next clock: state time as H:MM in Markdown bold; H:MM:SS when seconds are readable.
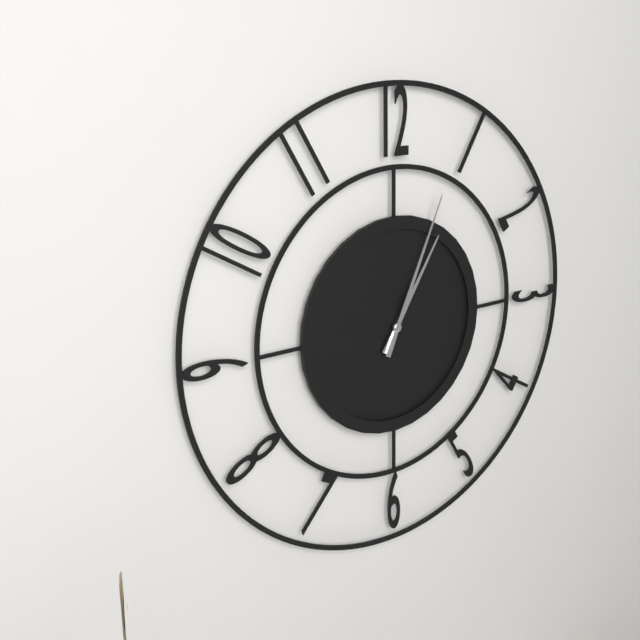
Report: **1:04**
